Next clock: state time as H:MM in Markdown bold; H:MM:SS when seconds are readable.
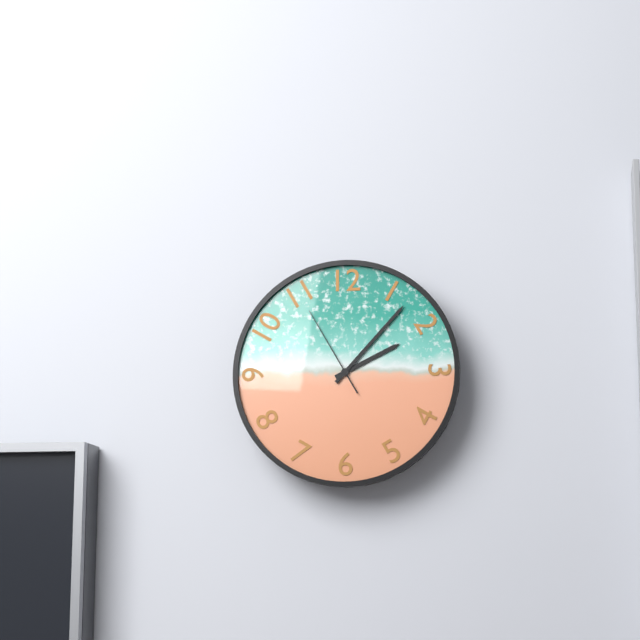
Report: **2:07:55**
